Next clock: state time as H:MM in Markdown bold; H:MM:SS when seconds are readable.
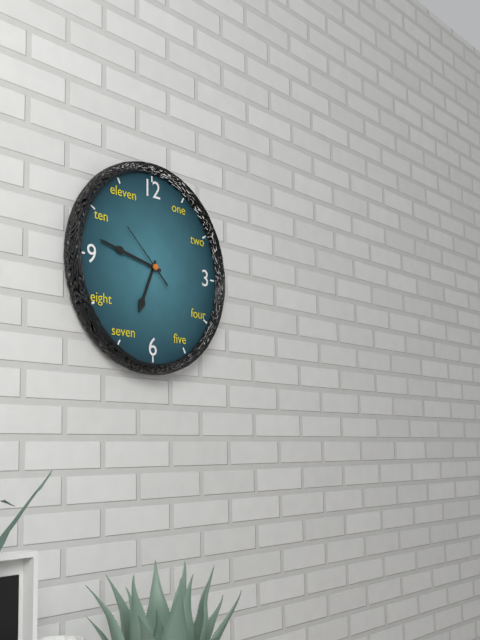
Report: **6:47:52**
